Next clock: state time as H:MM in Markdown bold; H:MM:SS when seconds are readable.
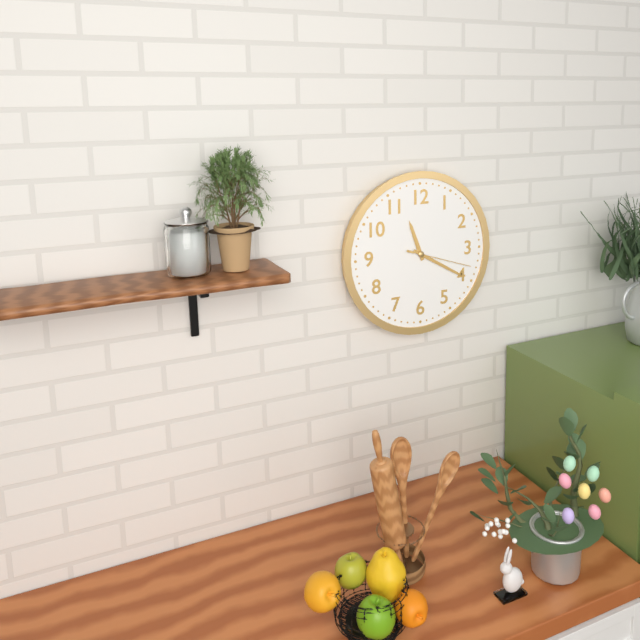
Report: **11:20:18**
